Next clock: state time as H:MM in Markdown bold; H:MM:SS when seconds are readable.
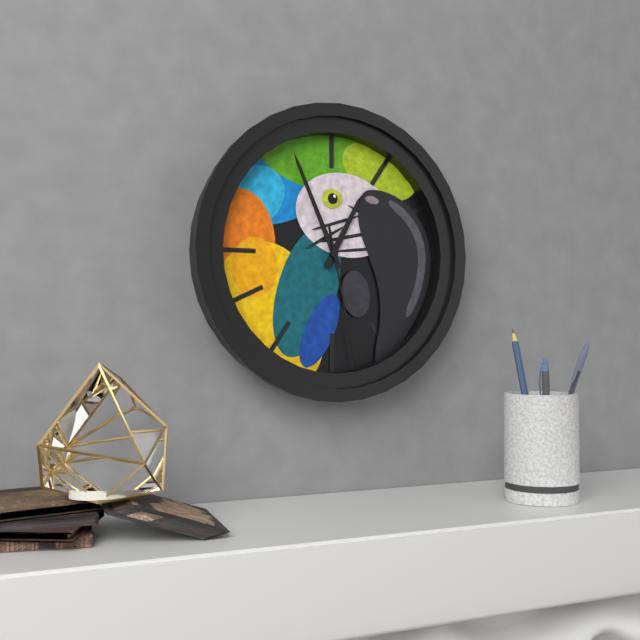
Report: **12:56:28**
